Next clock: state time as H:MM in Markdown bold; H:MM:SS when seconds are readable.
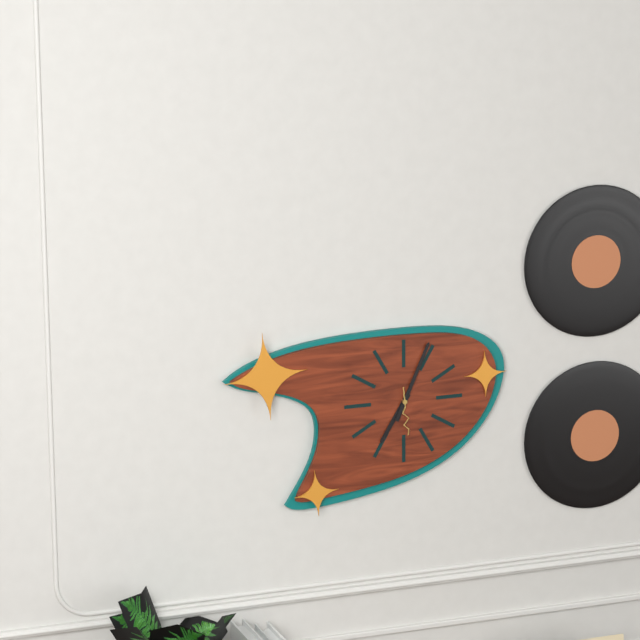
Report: **7:04**
